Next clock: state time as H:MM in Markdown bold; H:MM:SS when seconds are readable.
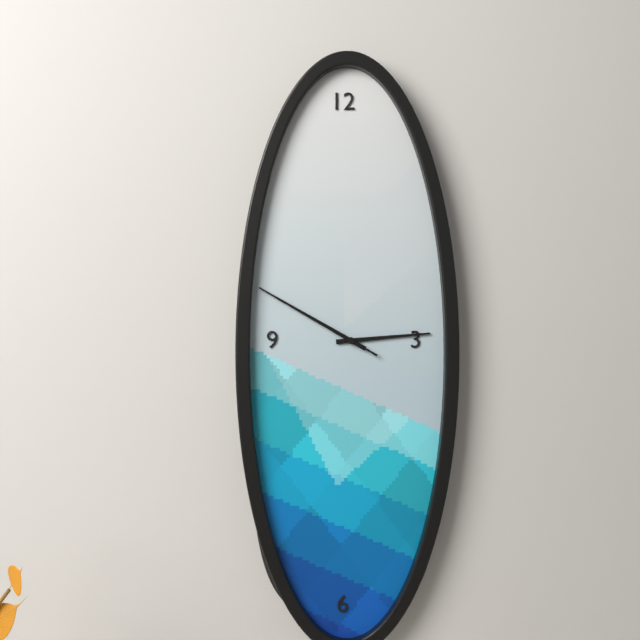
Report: **2:50:50**
